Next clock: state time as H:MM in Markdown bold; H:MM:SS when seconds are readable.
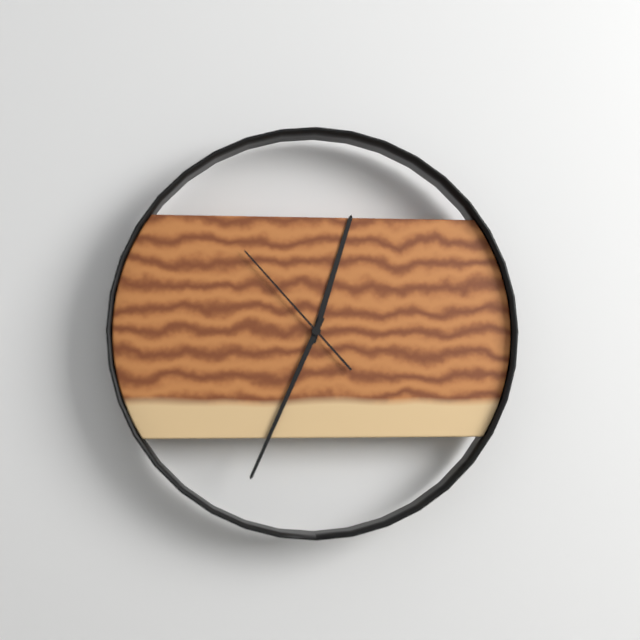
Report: **12:34:53**
